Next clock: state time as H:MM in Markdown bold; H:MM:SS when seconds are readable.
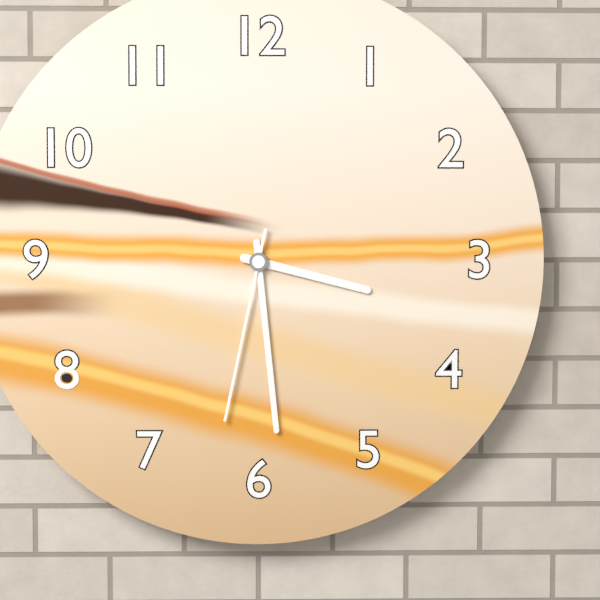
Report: **3:29:32**
